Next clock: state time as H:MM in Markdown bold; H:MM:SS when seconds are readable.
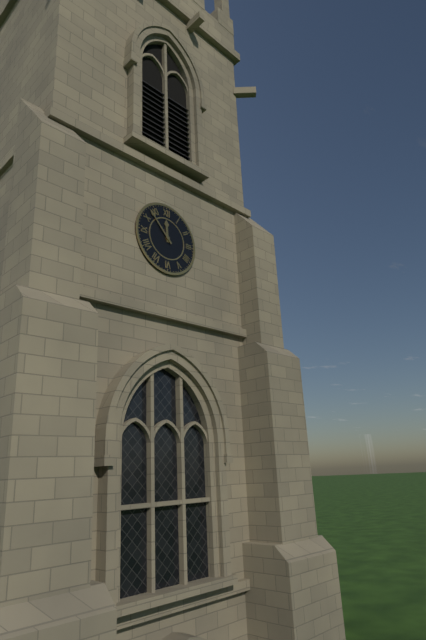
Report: **11:53**
